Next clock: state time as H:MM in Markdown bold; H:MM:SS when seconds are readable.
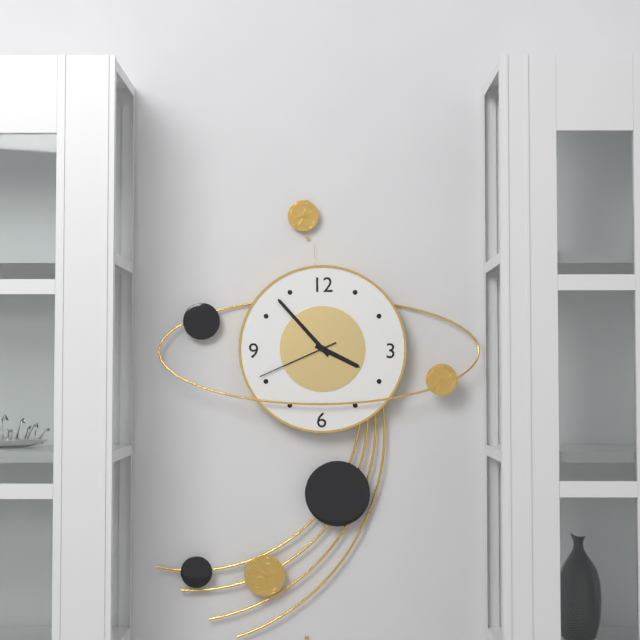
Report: **3:53:41**
